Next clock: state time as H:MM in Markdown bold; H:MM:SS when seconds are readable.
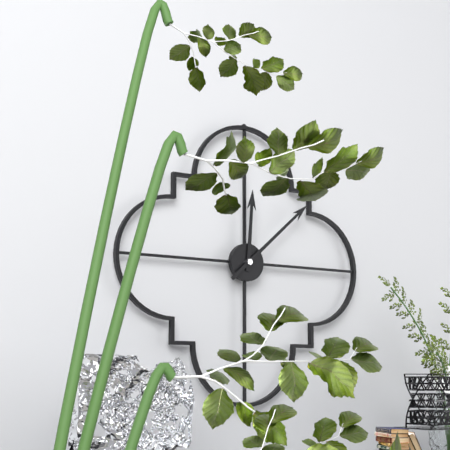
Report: **12:08**
